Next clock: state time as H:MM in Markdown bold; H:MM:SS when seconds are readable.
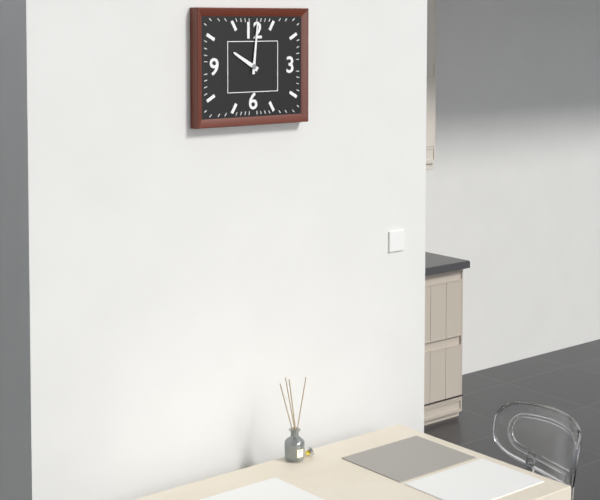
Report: **10:01**
